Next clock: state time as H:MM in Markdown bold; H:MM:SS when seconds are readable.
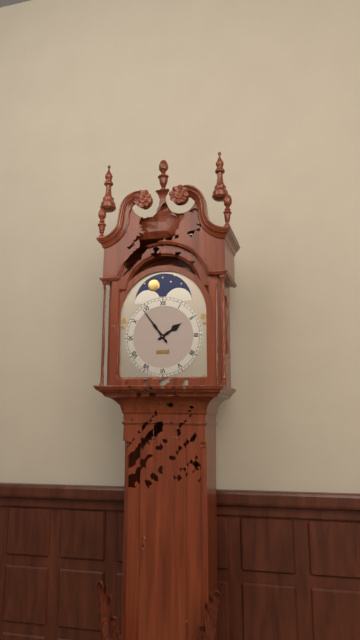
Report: **1:54**
